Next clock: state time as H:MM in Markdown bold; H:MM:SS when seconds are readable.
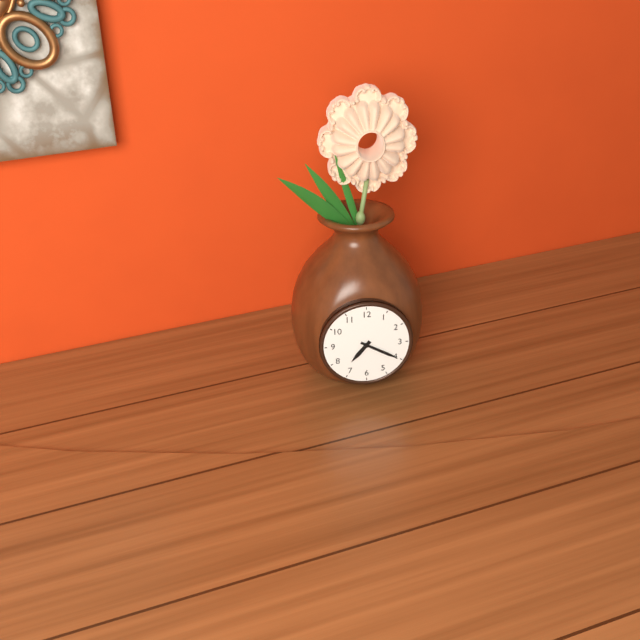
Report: **7:20**
